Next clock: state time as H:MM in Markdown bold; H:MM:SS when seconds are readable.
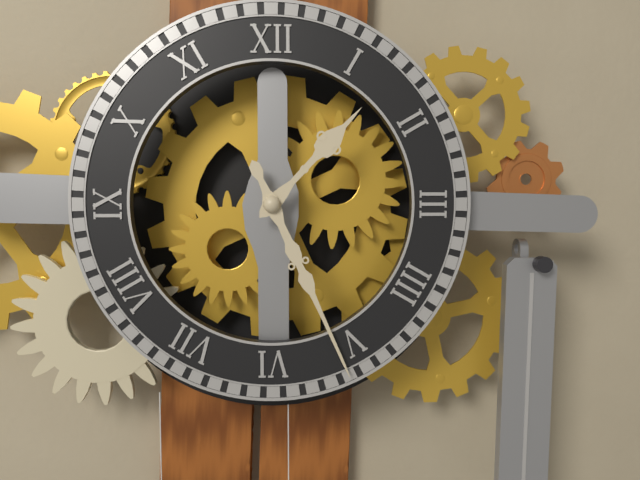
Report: **1:26**
